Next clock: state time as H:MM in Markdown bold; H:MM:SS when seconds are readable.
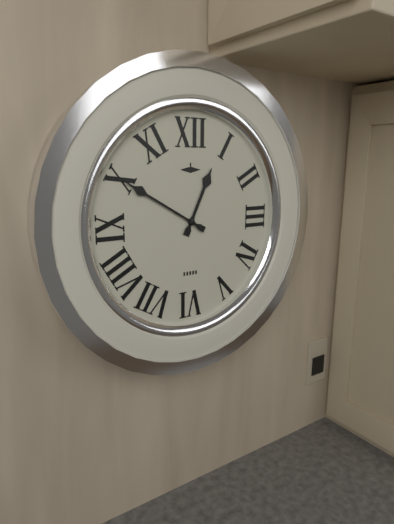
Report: **12:50**
